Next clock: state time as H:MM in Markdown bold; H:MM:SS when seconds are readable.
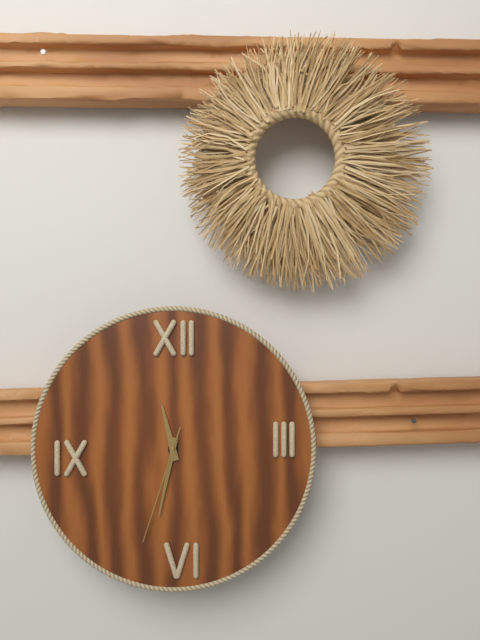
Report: **11:32:33**
